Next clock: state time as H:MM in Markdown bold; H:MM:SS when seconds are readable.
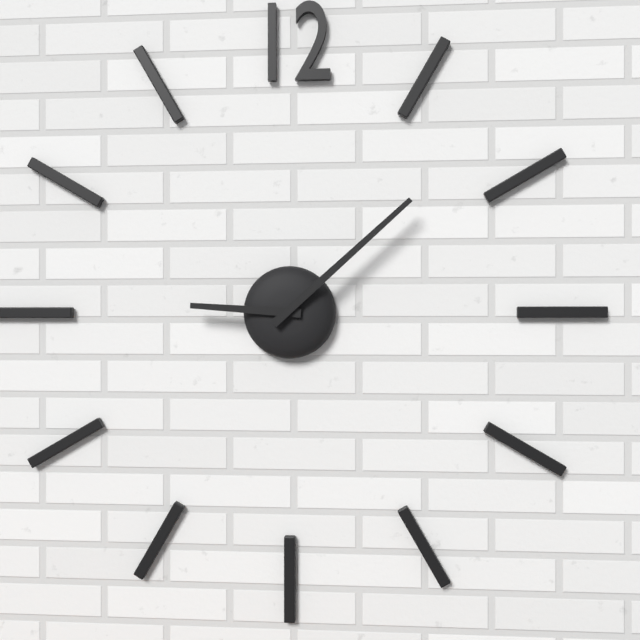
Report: **9:08**
